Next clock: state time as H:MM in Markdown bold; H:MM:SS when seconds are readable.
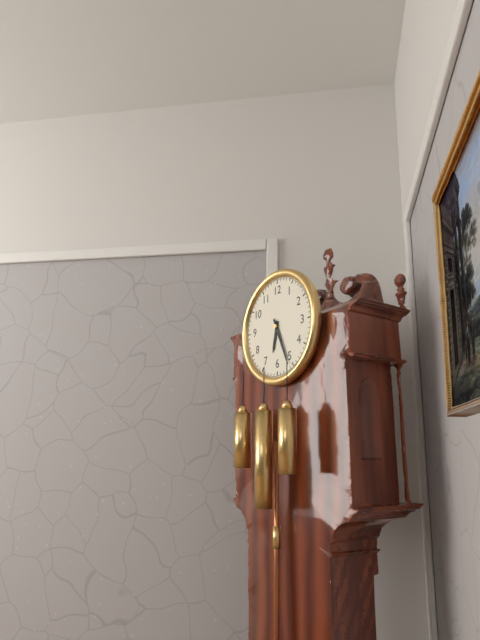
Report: **6:26**
